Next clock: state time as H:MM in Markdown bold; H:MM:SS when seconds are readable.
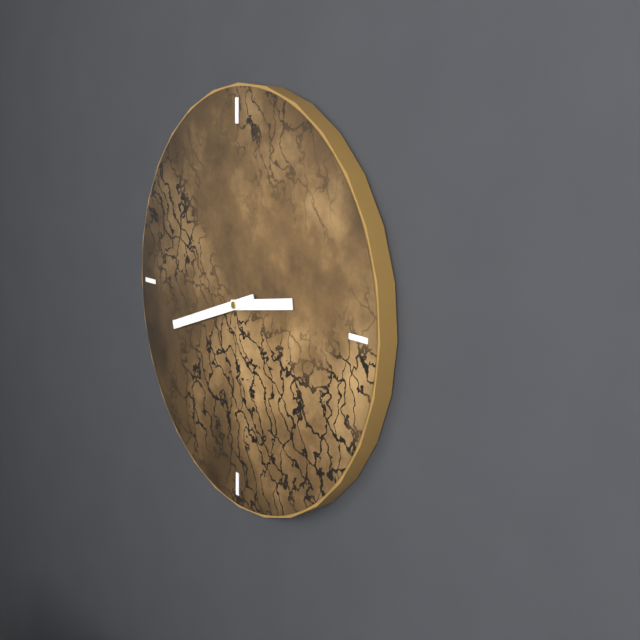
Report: **2:42**
